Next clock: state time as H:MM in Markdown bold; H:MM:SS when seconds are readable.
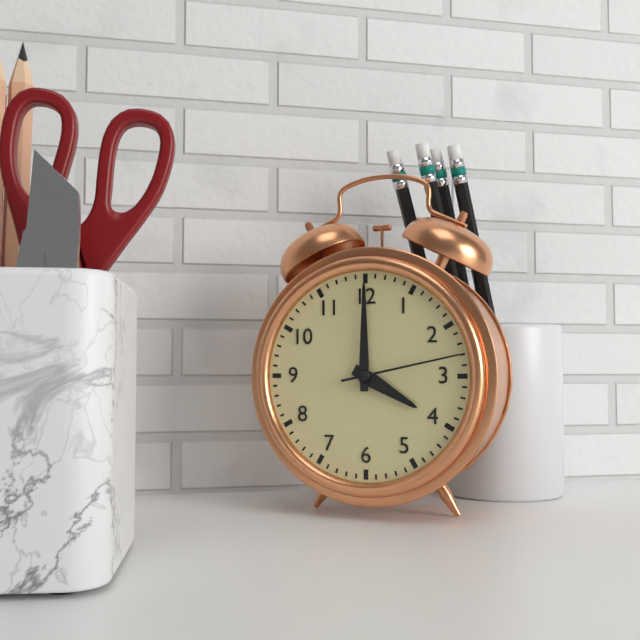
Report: **4:00:13**
